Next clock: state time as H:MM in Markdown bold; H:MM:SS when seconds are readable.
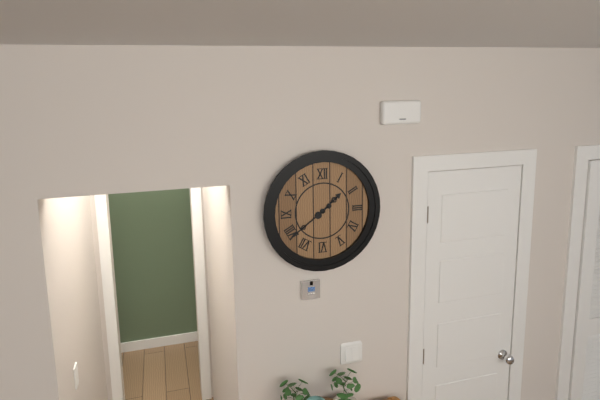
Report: **1:39**
